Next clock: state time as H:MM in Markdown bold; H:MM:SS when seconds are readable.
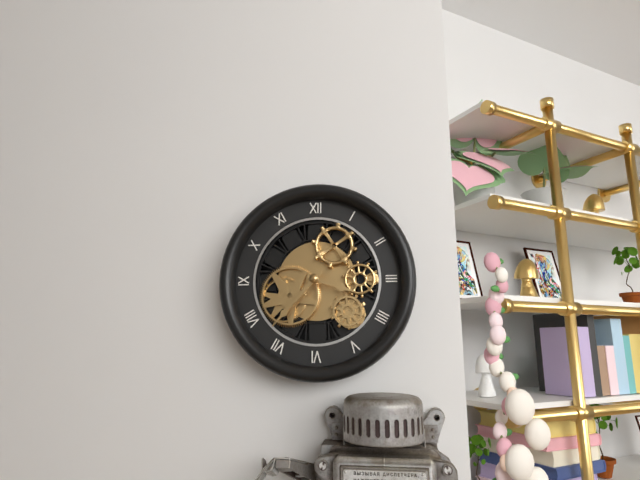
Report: **3:37**
